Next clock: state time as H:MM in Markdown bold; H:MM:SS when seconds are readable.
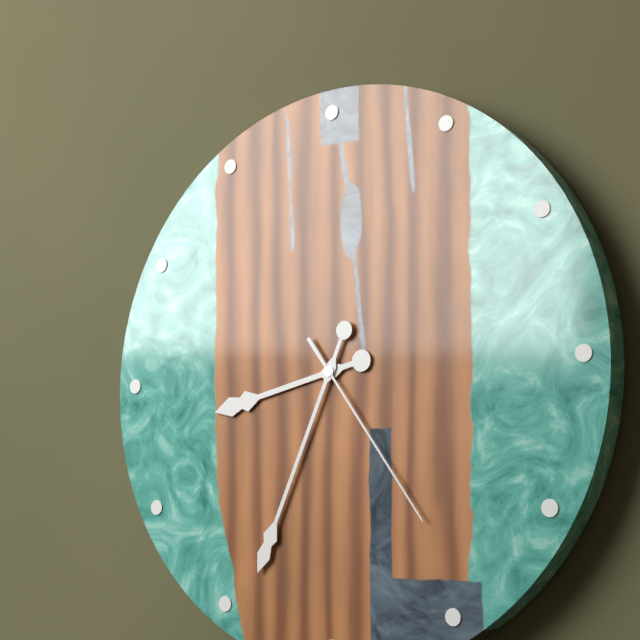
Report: **8:34:24**
